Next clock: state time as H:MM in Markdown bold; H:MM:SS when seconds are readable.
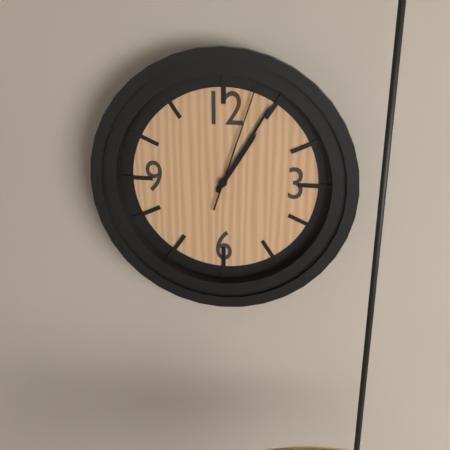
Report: **1:05:03**
